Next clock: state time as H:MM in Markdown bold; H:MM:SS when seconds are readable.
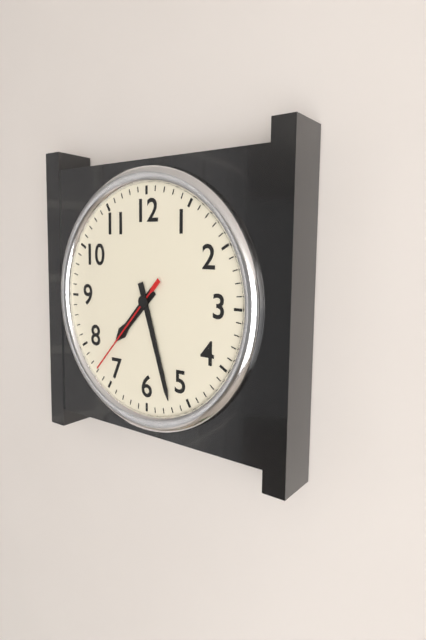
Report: **7:27:37**
